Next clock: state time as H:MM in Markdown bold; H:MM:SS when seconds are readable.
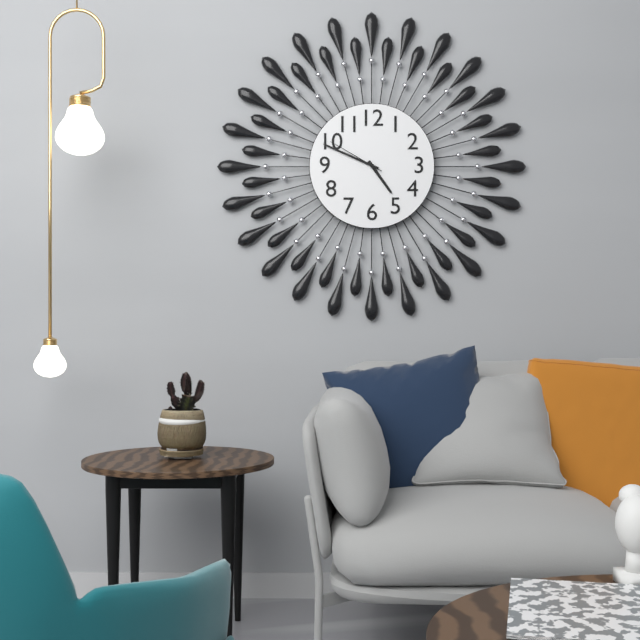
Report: **4:49:50**
